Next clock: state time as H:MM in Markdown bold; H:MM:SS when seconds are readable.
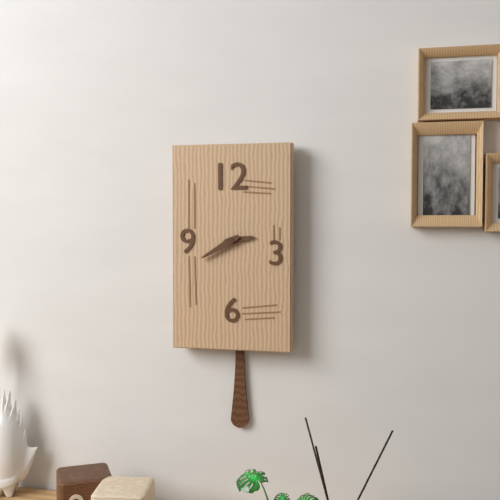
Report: **2:40**
